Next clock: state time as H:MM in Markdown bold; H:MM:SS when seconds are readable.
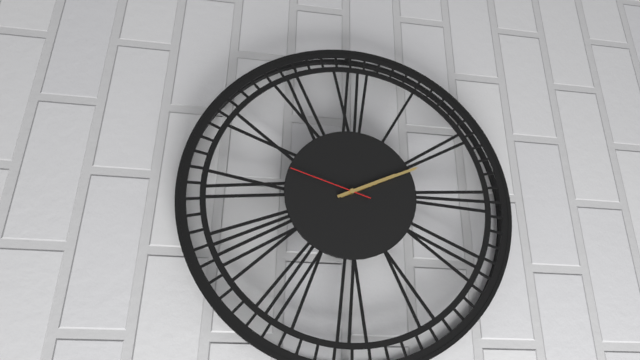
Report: **2:11:48**
